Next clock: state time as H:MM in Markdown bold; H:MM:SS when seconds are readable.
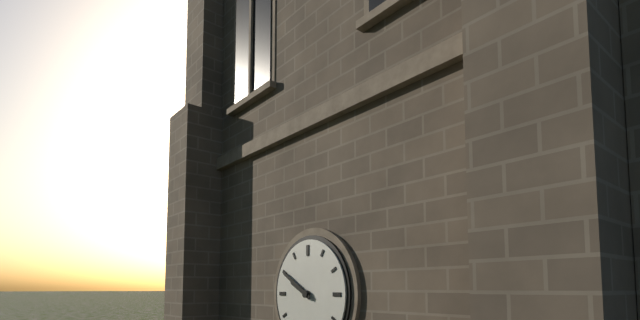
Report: **9:50**
